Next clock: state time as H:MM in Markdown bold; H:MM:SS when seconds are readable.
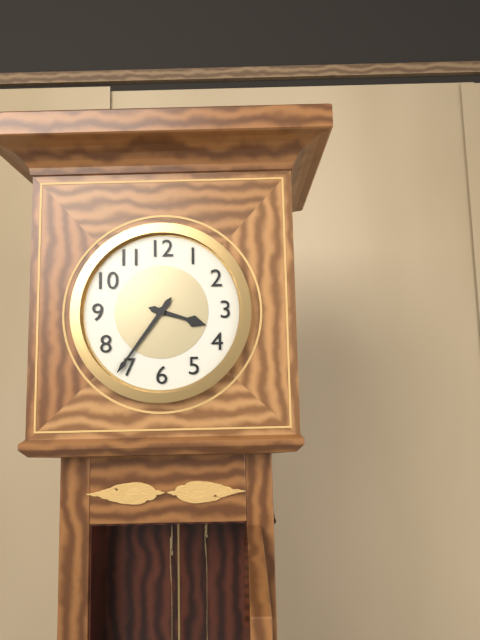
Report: **3:36**
